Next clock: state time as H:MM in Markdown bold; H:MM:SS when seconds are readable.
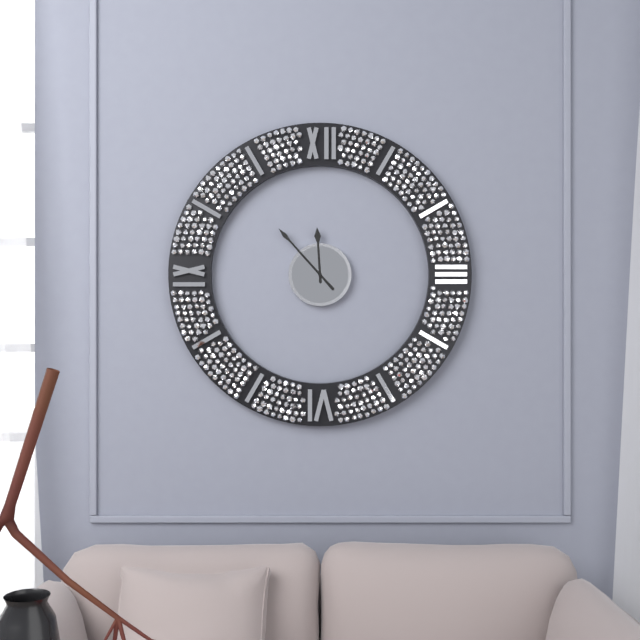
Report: **11:53**
